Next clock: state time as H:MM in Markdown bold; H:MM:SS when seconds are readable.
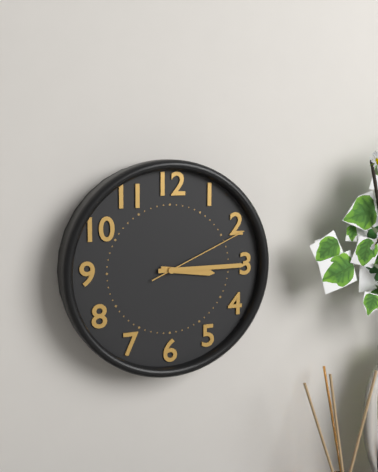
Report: **3:15:11**
